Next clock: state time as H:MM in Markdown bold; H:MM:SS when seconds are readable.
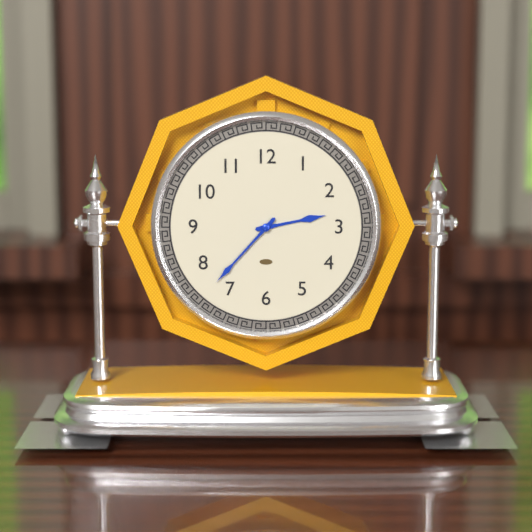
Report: **2:37**
